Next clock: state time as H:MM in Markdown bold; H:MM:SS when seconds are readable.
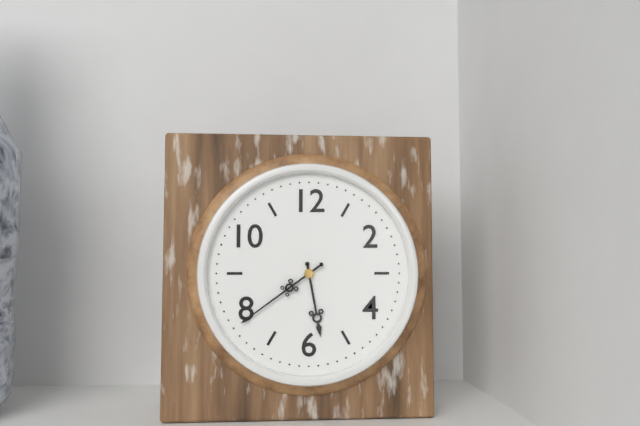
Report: **5:39**
